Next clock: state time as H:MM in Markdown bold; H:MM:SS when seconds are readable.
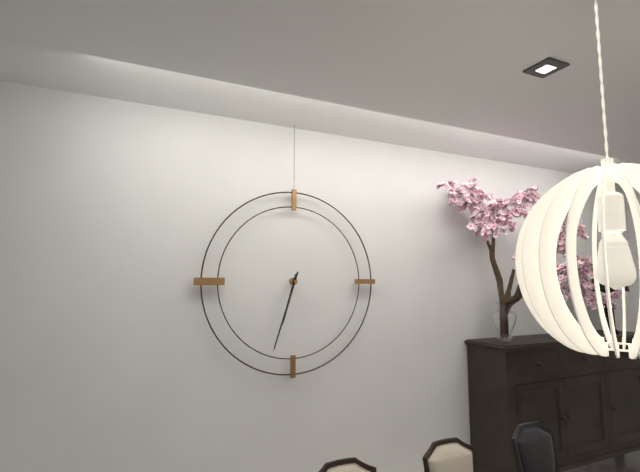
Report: **6:33**
